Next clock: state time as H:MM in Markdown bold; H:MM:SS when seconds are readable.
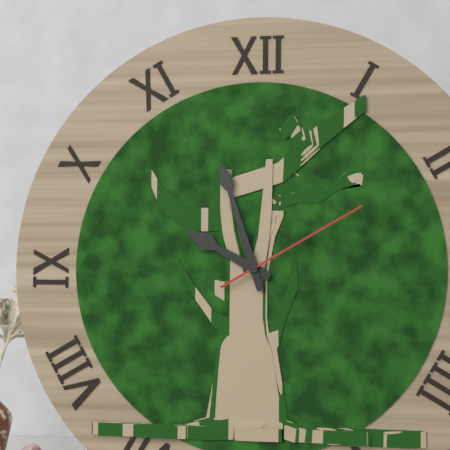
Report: **9:57:10**
